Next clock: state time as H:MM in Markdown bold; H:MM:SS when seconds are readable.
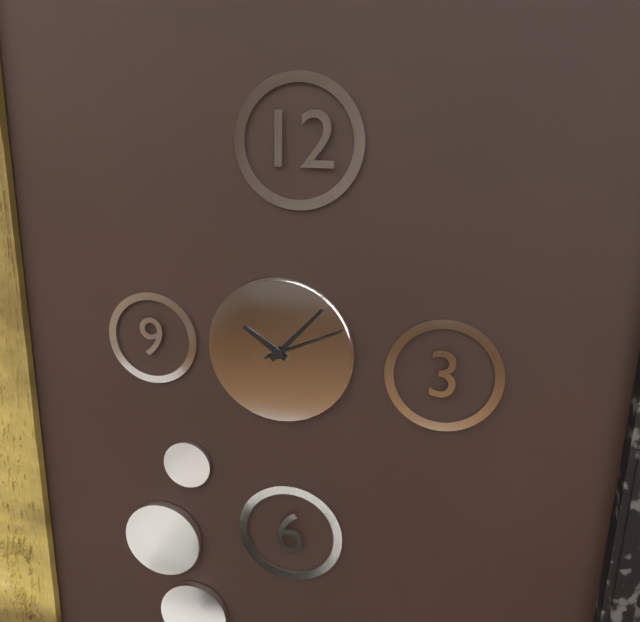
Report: **10:07:11**
